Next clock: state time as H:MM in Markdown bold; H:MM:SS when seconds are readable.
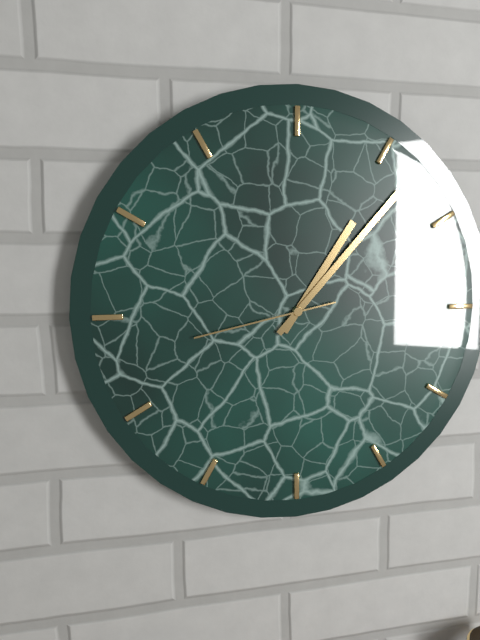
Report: **1:07:43**
